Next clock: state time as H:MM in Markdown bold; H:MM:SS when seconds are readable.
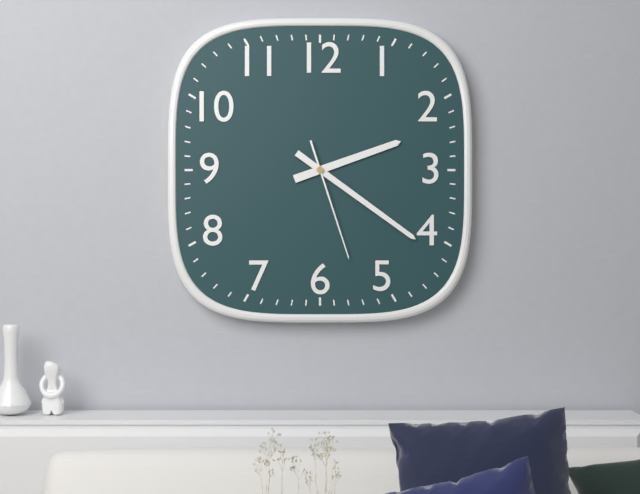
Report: **2:21:27**
